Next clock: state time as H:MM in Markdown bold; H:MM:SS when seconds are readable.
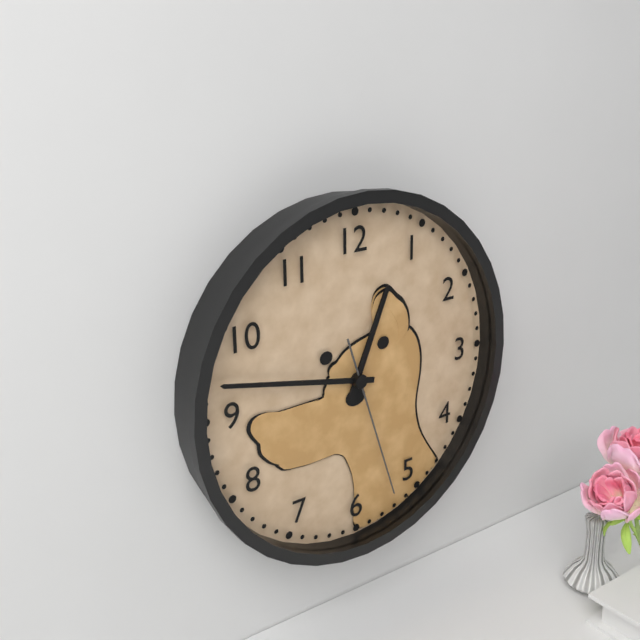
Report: **12:47:27**
